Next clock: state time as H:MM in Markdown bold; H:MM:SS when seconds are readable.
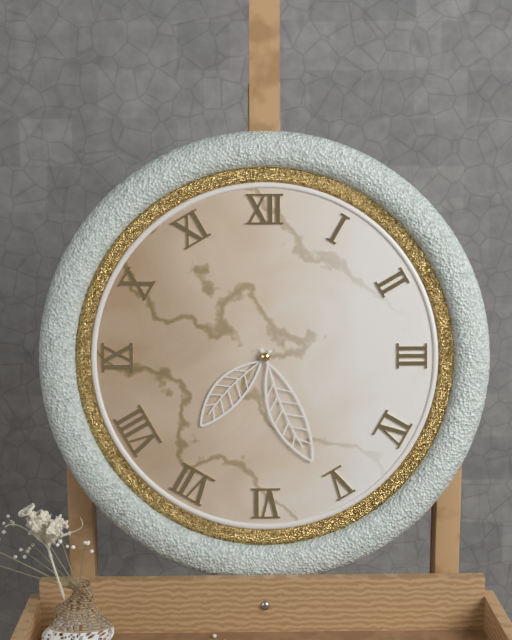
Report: **7:26**
